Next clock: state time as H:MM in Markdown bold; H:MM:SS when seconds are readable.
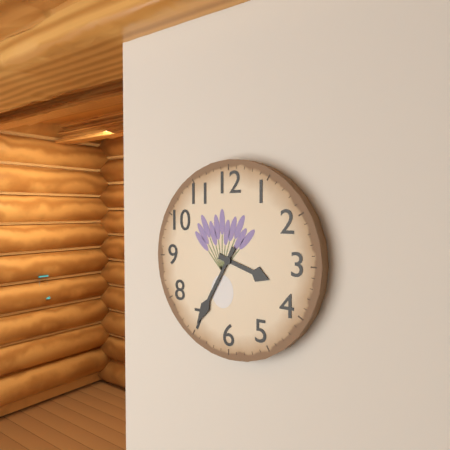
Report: **3:35**
